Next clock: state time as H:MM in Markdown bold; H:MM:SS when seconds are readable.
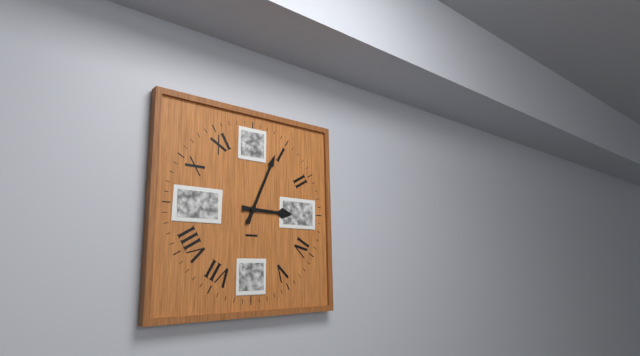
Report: **3:04**
